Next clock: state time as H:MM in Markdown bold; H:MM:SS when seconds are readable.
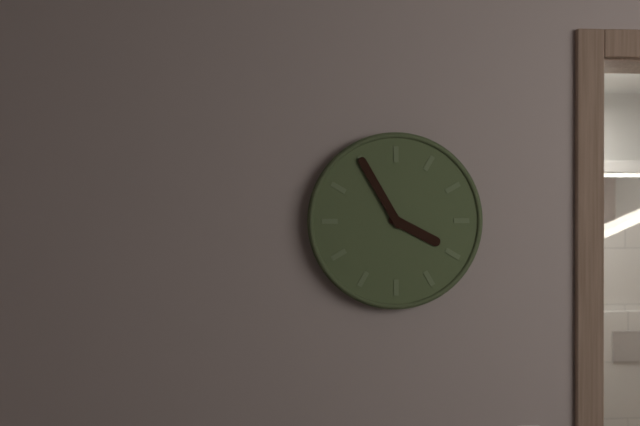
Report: **3:55**
